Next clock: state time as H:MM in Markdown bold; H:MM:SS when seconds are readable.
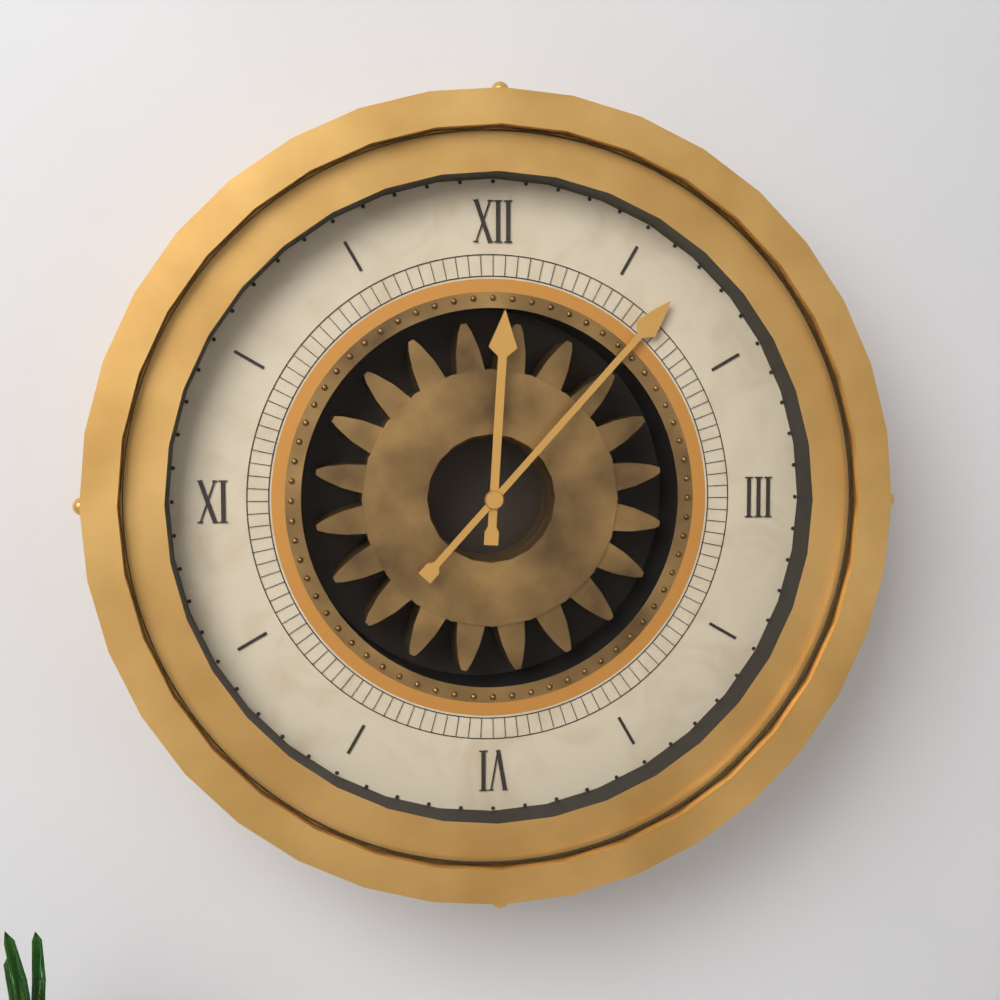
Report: **12:07**
